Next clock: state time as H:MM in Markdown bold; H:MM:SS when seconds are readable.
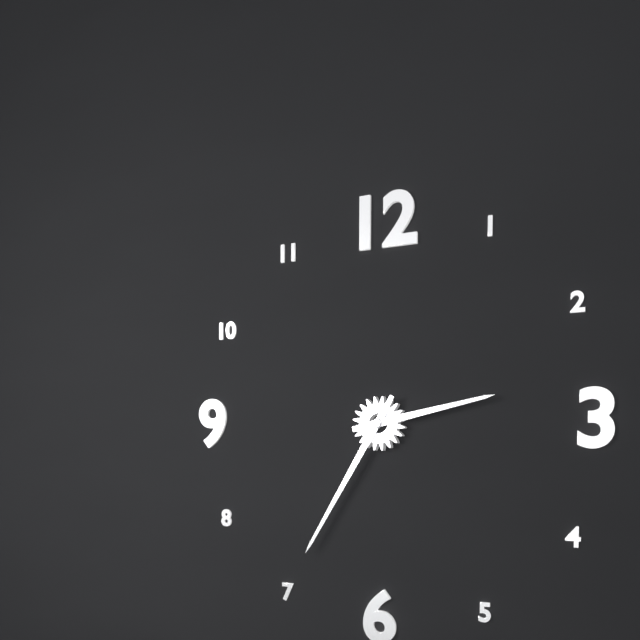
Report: **2:35**
